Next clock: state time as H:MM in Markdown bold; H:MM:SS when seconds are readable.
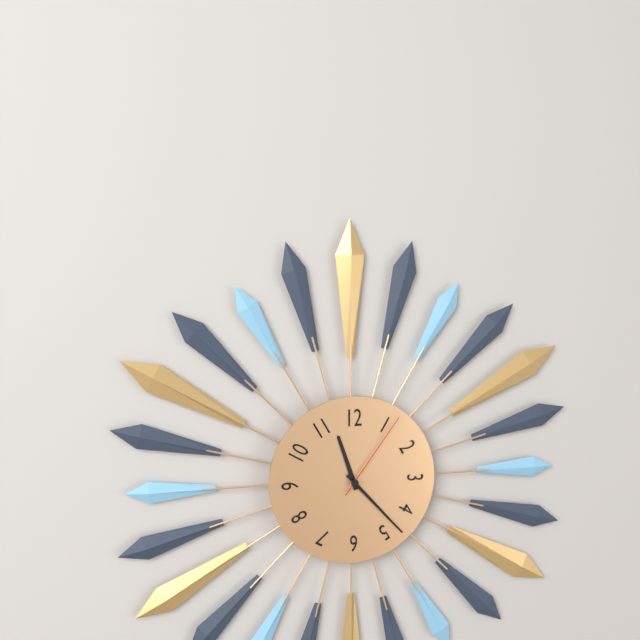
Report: **11:23:06**
